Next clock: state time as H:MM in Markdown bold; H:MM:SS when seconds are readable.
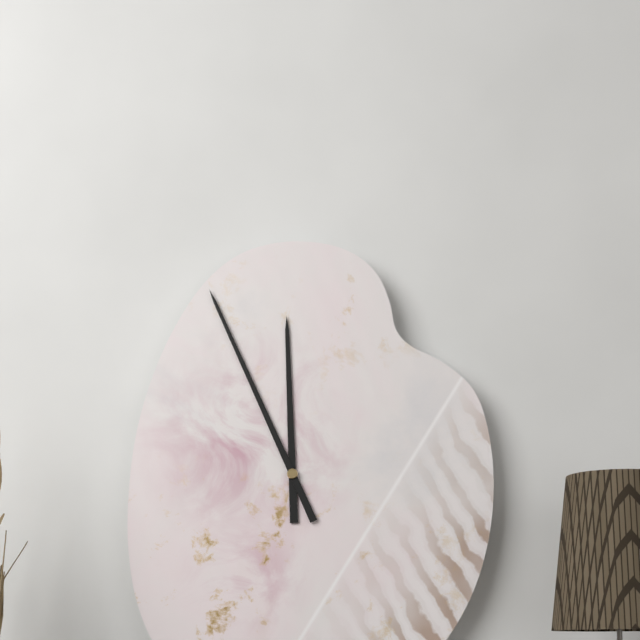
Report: **11:56**
